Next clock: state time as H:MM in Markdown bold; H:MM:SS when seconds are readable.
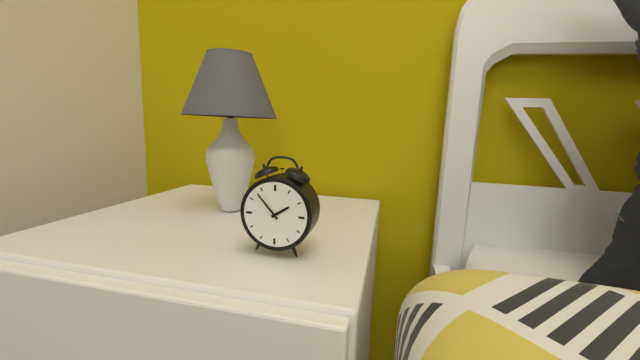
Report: **1:53**
